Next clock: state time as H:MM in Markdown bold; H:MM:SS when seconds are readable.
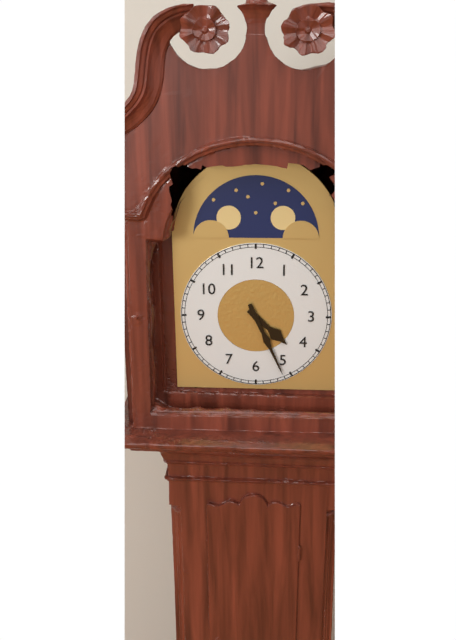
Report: **4:26**
